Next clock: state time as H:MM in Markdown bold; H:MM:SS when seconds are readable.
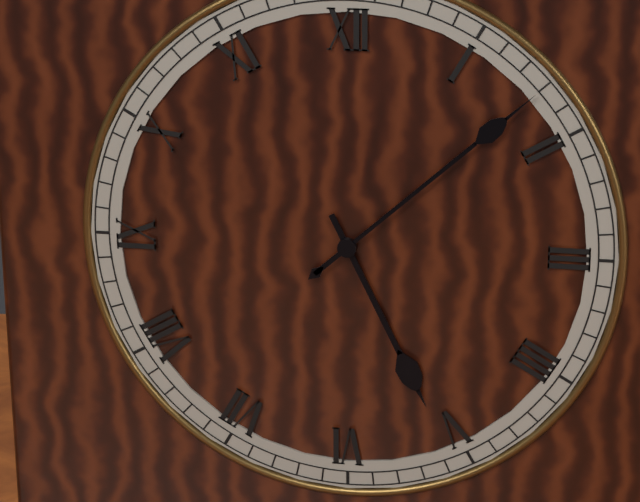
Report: **5:08**
